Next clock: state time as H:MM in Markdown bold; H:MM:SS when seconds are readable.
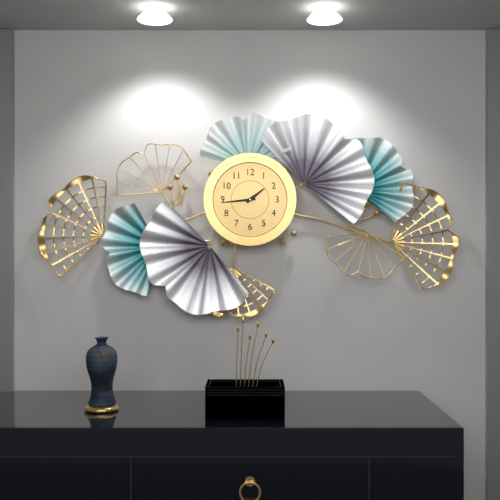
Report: **1:44**
